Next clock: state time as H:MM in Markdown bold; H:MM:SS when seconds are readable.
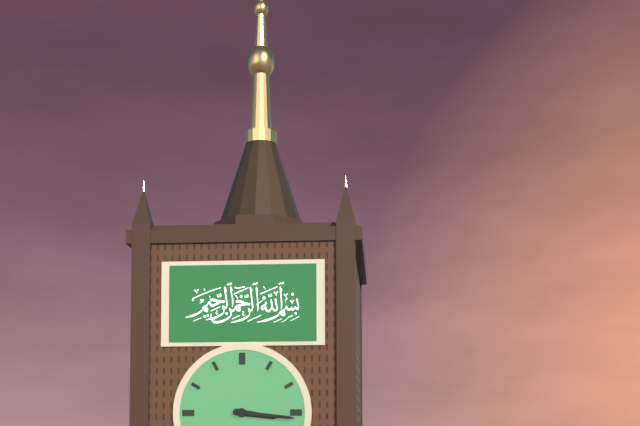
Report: **3:16**
